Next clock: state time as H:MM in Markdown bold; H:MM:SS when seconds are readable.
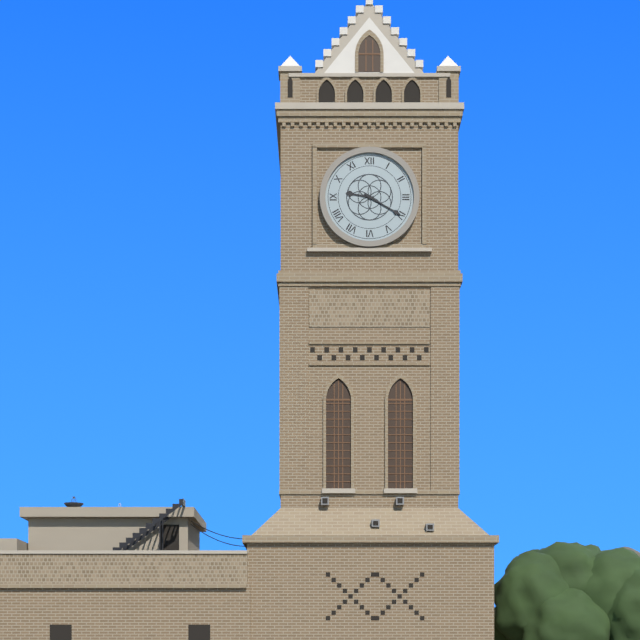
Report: **9:20**
